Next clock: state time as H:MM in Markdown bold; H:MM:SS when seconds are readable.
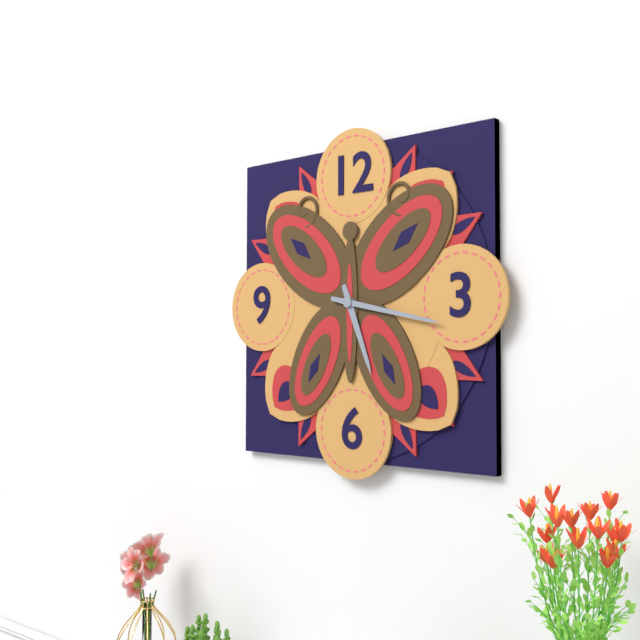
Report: **5:17**
